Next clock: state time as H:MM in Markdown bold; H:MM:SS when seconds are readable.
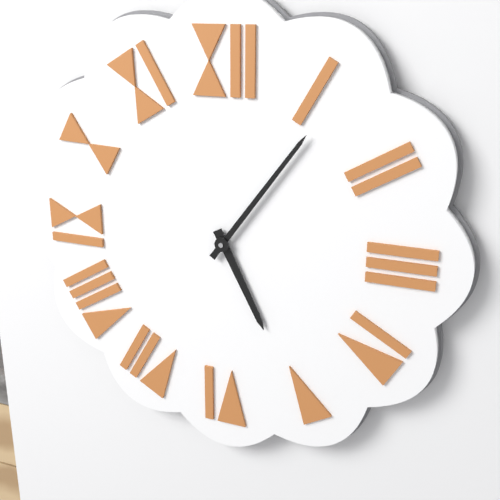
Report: **5:06**
